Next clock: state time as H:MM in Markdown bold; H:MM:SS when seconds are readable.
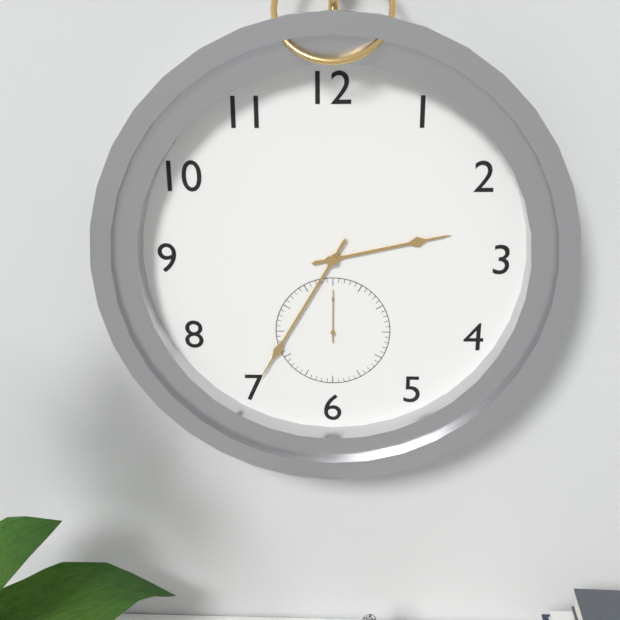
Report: **2:35:00**
